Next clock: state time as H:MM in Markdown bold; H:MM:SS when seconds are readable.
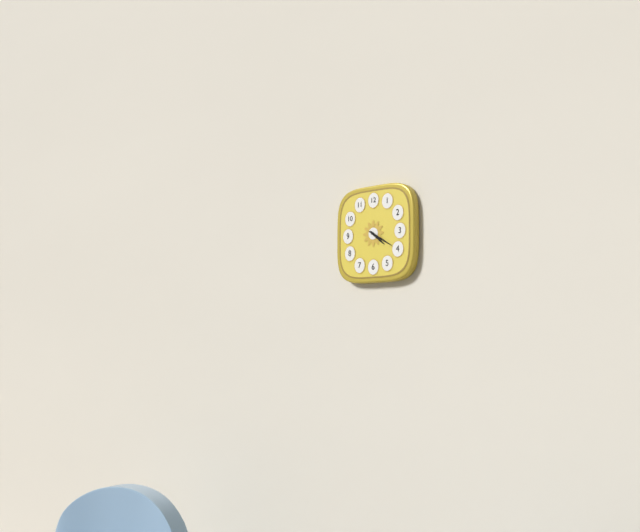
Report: **4:20**
